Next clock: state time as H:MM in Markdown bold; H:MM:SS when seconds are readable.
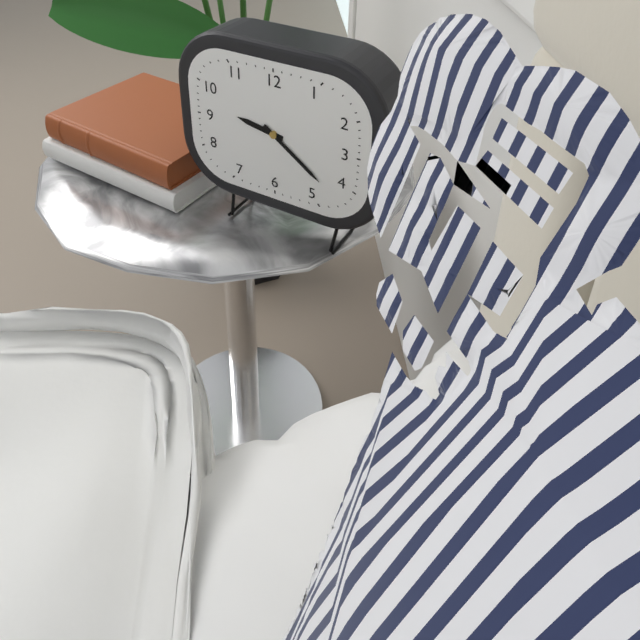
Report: **9:21**
